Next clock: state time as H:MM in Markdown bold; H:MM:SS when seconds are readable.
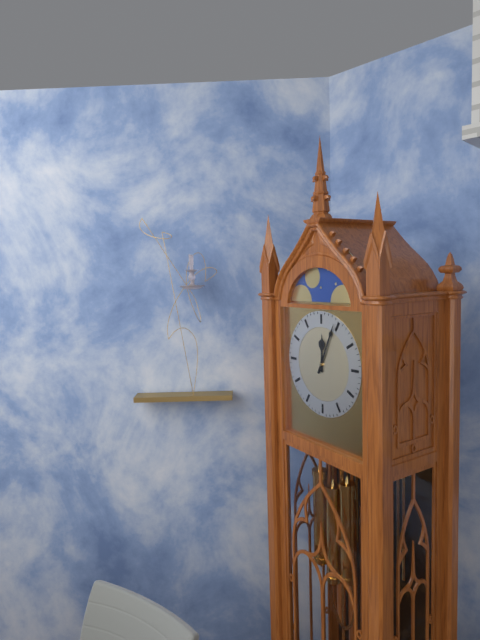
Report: **12:04**
